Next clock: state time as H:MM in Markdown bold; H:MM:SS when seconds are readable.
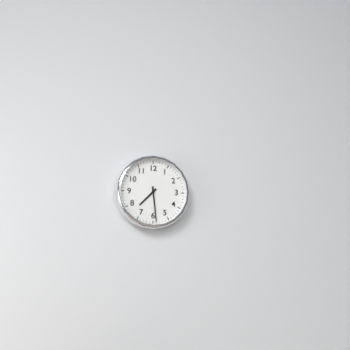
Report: **7:29**
